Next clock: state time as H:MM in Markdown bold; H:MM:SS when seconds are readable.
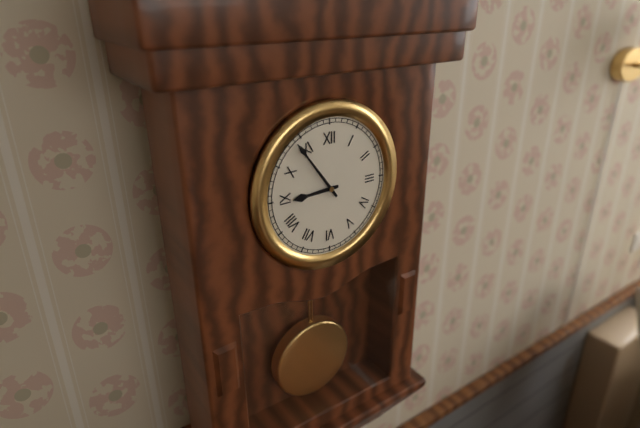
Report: **8:54**
